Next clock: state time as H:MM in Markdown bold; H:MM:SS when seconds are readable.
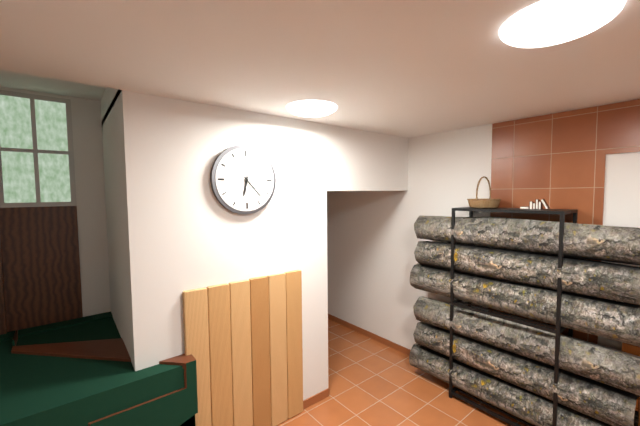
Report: **6:23**
